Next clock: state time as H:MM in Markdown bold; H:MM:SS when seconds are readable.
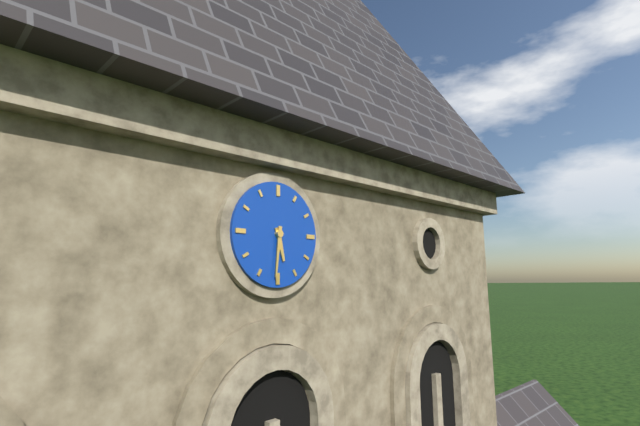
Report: **5:31**
